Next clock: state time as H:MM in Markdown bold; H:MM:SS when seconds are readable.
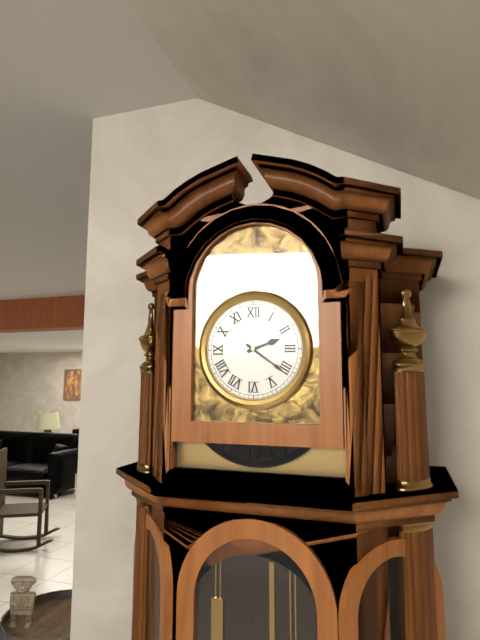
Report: **2:21**
